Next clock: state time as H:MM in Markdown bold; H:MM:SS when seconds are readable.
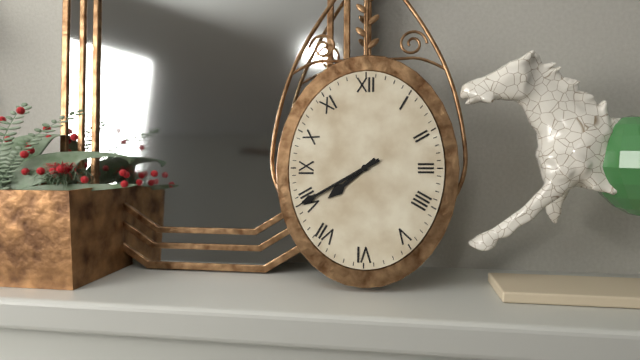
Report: **7:40**
